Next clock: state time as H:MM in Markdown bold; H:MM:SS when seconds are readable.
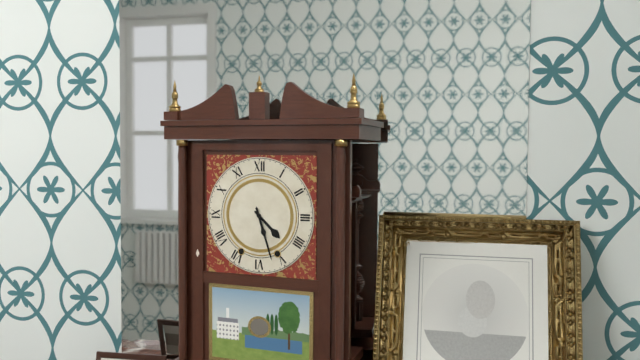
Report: **4:27**
